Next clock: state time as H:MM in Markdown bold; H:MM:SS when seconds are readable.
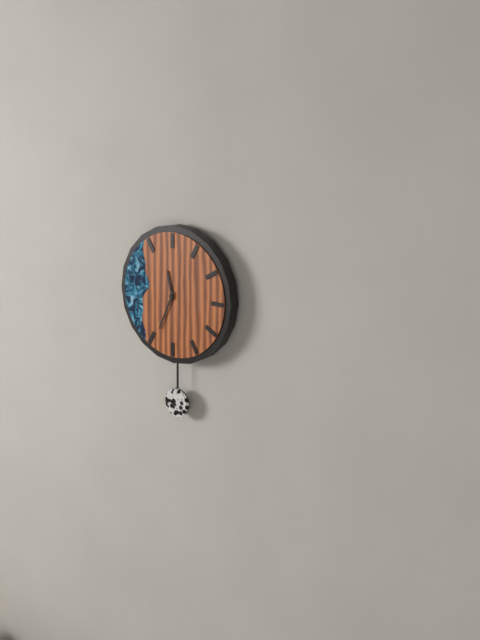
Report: **11:34**
